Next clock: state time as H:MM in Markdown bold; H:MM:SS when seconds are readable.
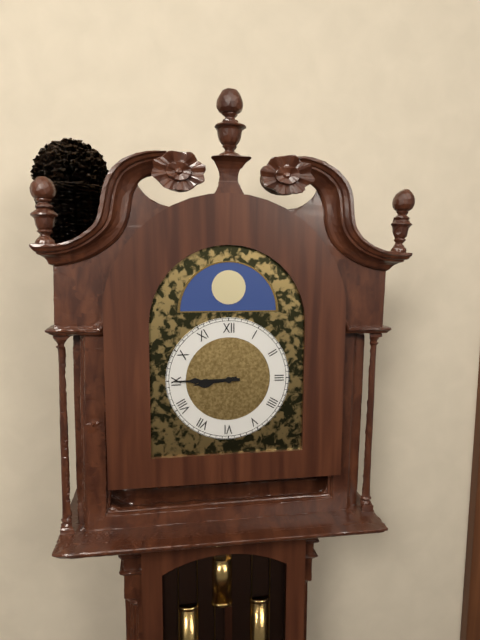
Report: **8:45**
